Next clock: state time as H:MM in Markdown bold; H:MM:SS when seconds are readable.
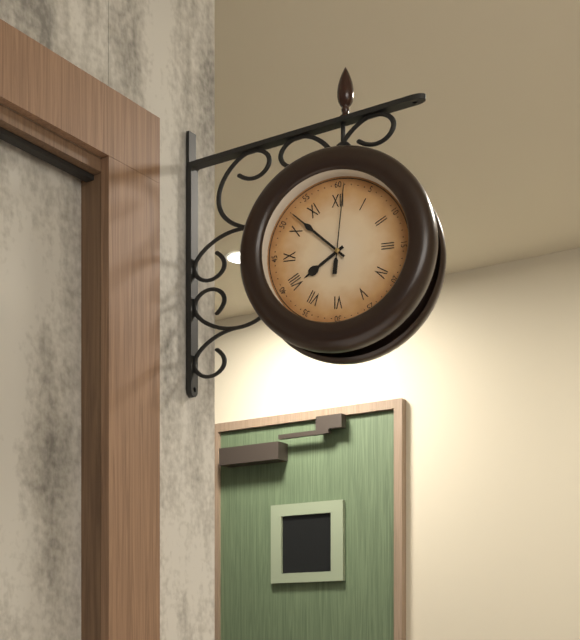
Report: **7:52:01**
